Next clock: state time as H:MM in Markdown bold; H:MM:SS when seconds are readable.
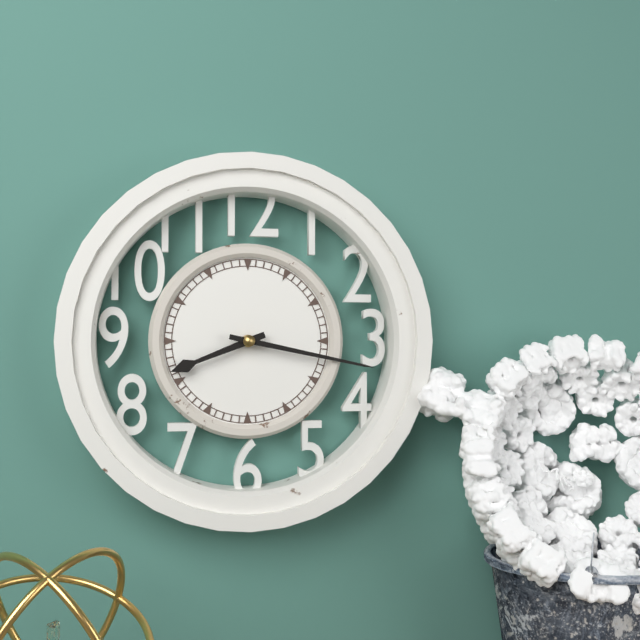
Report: **8:17**
